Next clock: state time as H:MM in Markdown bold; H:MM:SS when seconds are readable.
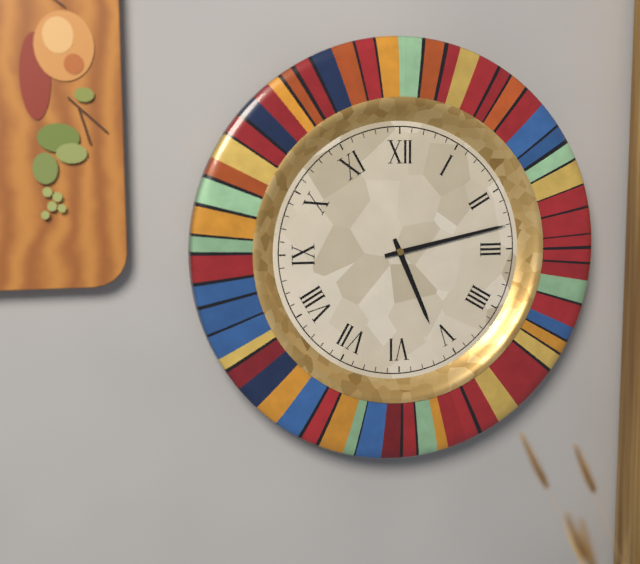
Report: **5:13**
